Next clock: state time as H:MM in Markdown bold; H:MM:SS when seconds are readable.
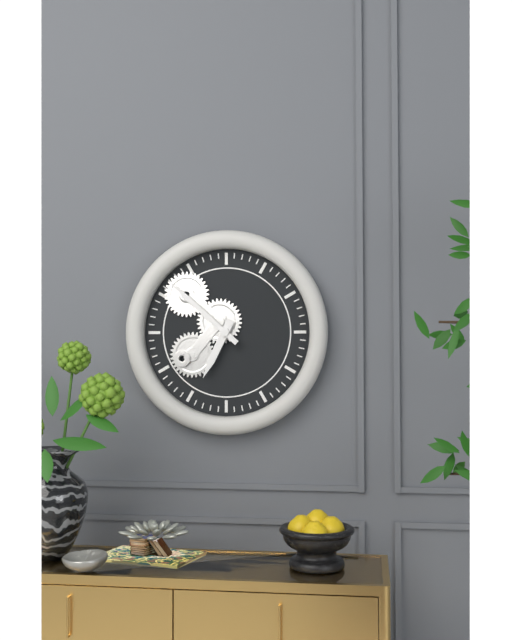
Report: **6:52**
